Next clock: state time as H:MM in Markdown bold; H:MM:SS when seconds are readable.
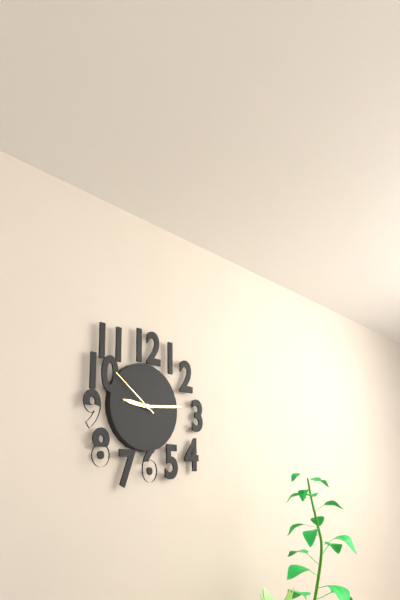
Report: **9:14:51**
